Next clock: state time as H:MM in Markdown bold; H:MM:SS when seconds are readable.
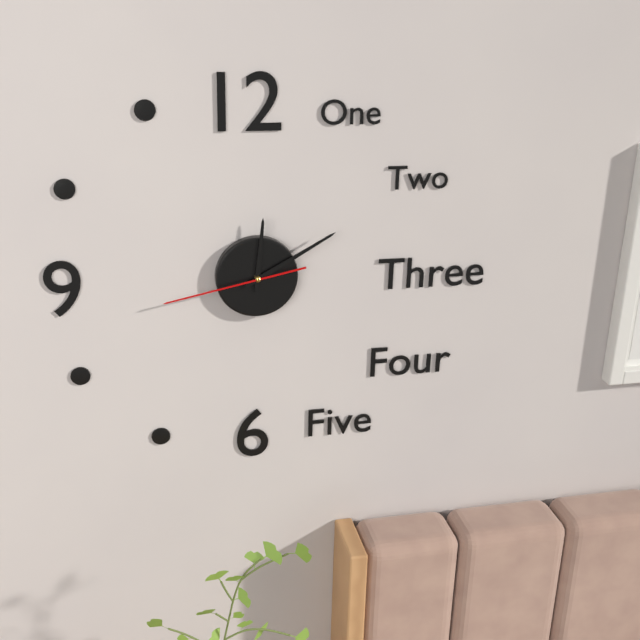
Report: **12:10:43**
